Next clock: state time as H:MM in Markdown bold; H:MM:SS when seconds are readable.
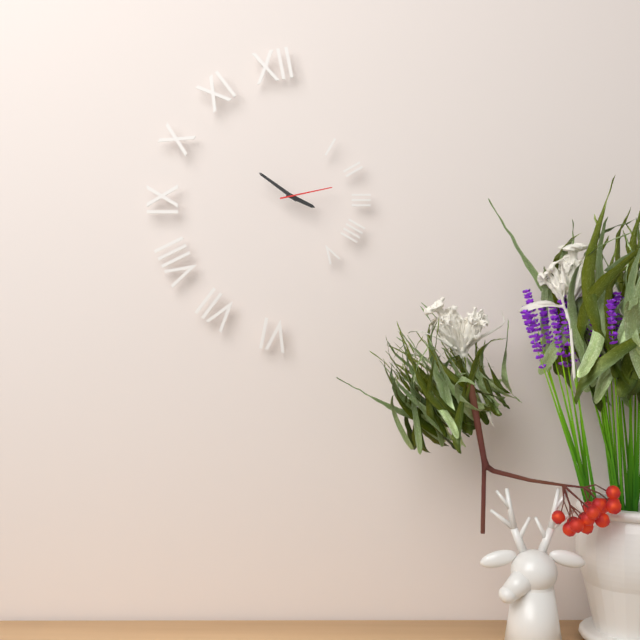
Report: **3:51:13**
